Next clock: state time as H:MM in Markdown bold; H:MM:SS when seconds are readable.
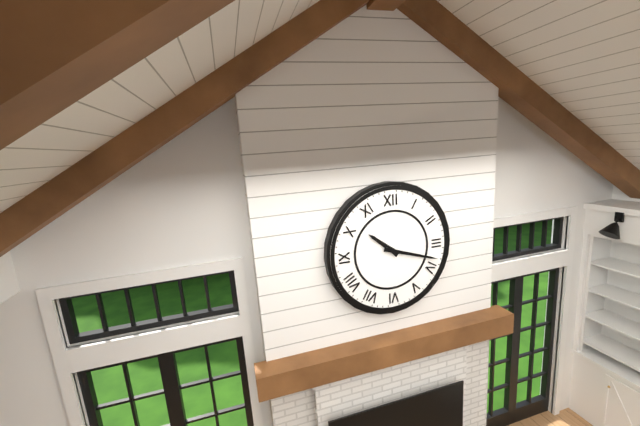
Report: **10:18**
